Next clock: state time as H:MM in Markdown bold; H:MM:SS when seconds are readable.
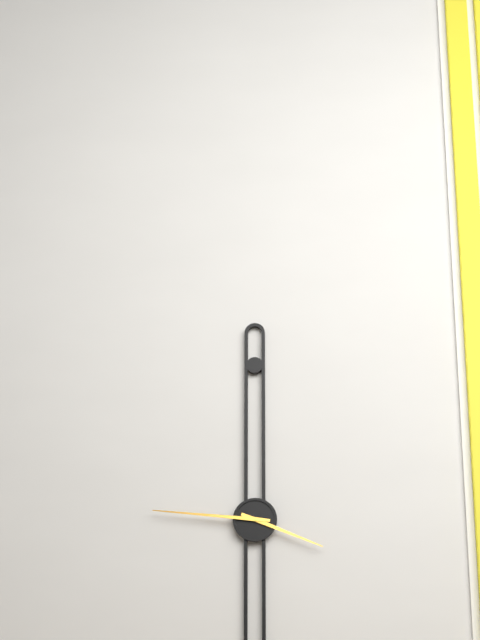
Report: **3:46**
